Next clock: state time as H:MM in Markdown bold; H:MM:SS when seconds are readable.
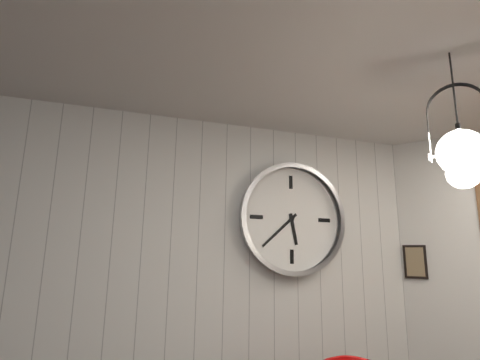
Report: **5:38**
